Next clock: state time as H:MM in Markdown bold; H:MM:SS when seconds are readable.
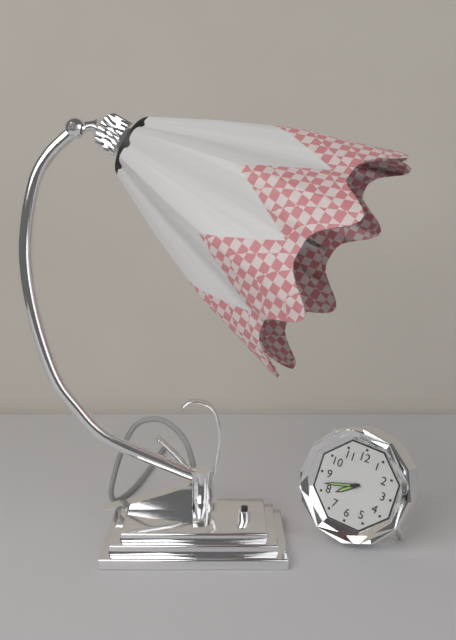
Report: **7:42**
